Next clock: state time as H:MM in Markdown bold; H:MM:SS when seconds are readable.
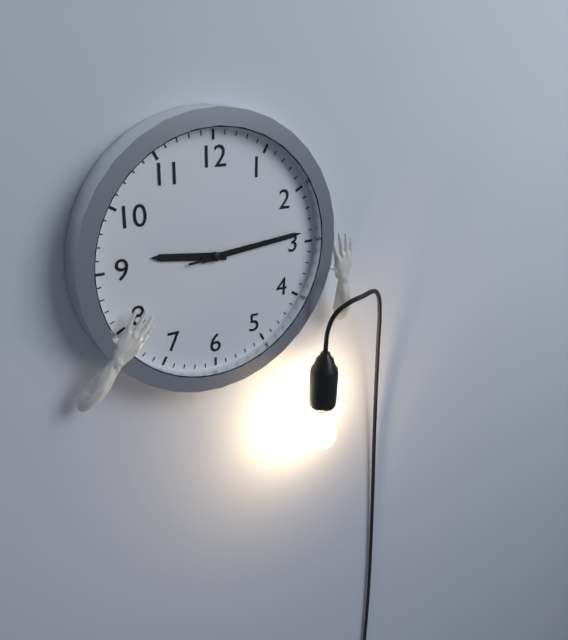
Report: **9:14:14**
